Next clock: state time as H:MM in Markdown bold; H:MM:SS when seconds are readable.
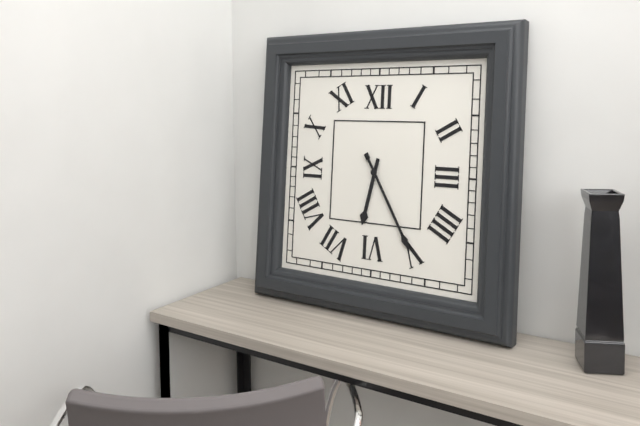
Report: **6:25**
